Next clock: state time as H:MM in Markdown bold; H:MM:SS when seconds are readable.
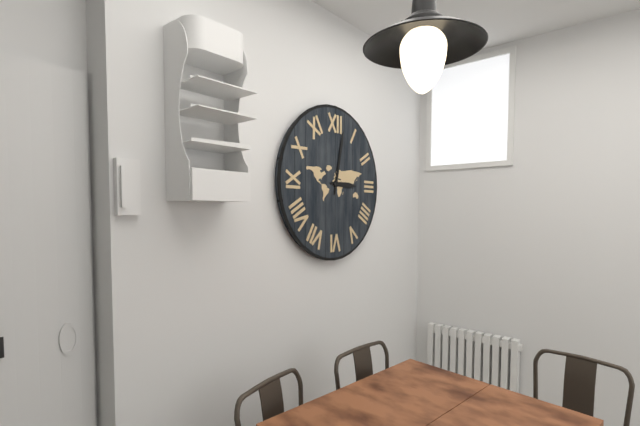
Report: **3:02**
